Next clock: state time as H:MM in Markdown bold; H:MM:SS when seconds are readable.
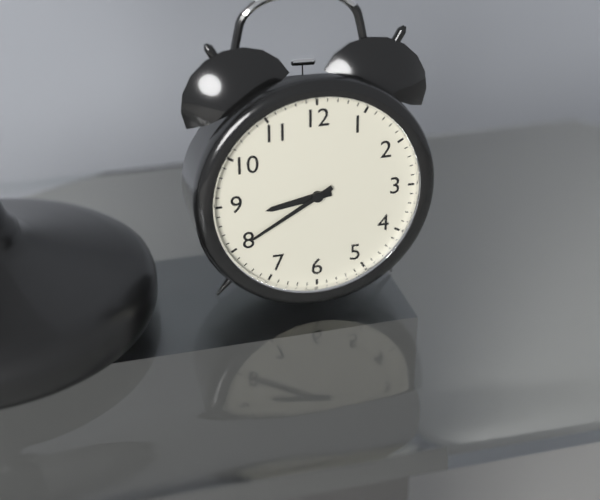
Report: **8:40**
